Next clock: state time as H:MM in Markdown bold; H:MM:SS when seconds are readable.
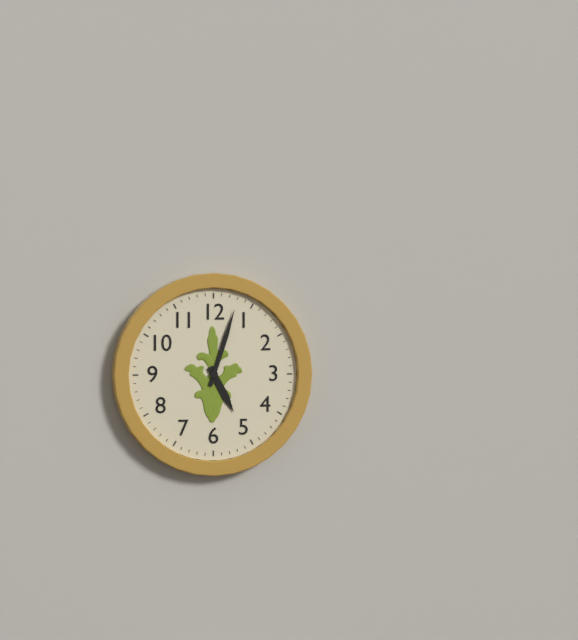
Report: **5:03**
